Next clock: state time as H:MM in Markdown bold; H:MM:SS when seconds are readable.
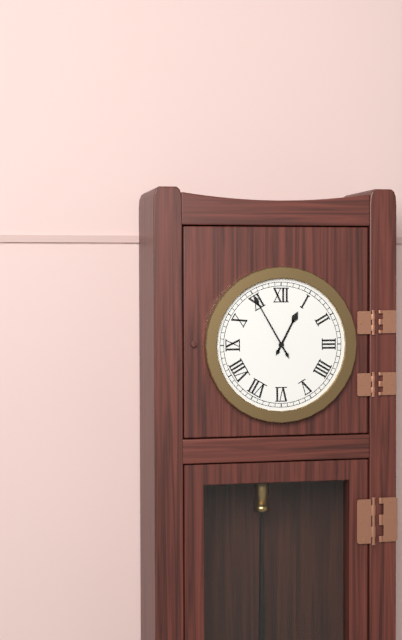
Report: **12:55**
